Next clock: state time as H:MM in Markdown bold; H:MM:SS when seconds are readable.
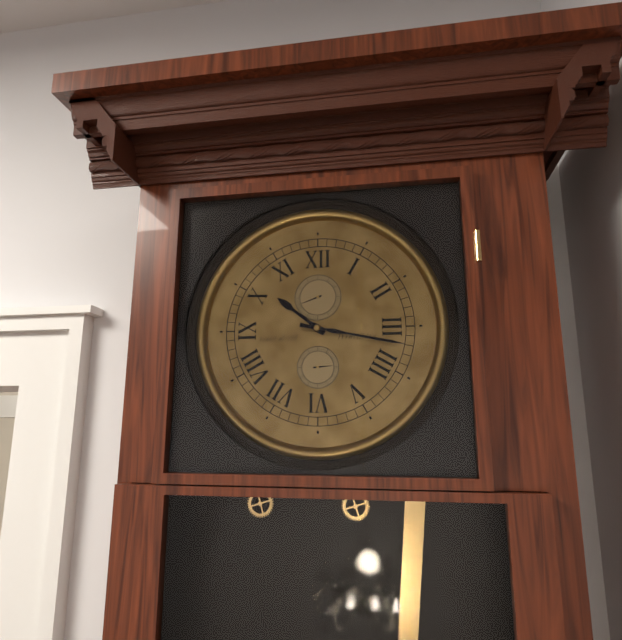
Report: **10:17**
